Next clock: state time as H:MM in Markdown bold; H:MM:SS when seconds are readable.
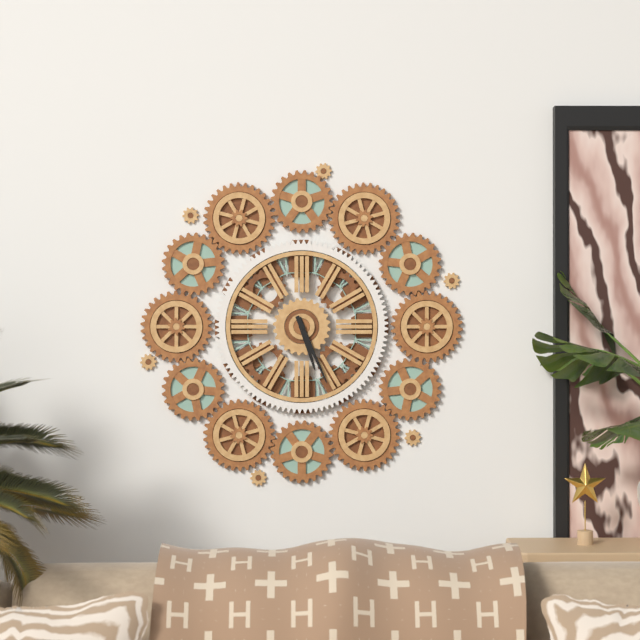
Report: **5:26**
